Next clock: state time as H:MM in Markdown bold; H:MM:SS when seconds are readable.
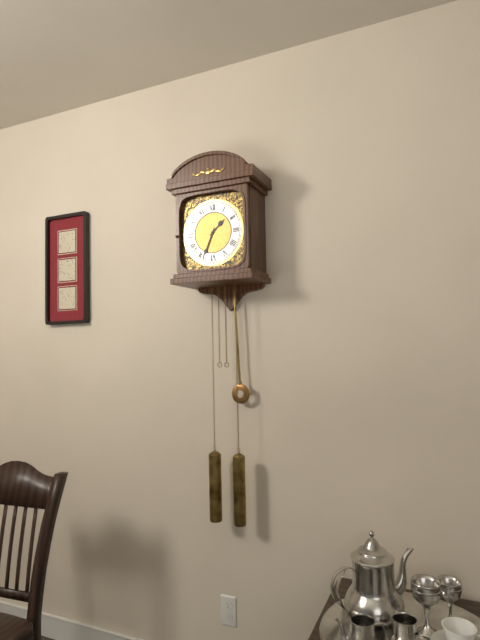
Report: **1:34**
